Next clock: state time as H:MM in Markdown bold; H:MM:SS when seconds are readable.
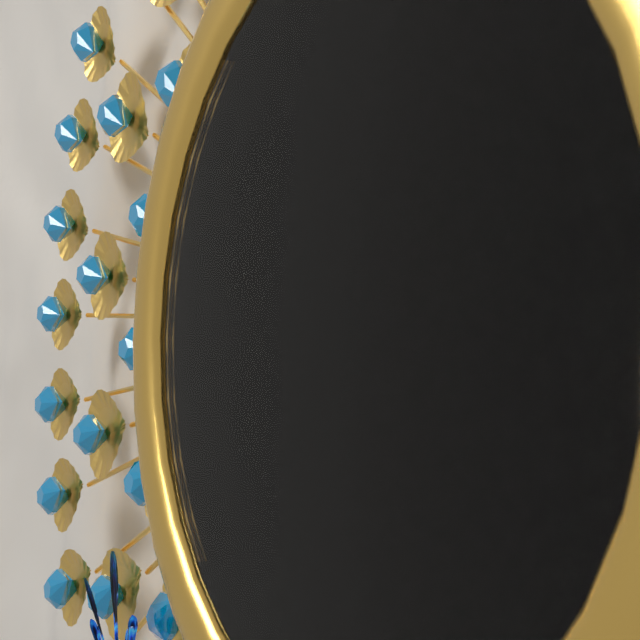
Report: **2:22:35**
